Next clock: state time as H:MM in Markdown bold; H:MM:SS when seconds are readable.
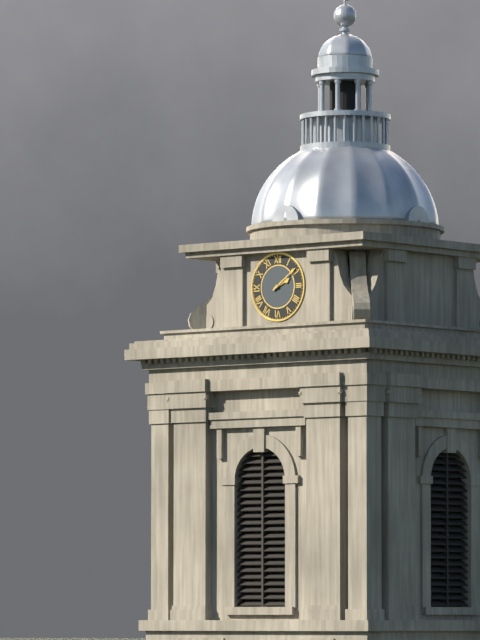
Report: **2:09**
